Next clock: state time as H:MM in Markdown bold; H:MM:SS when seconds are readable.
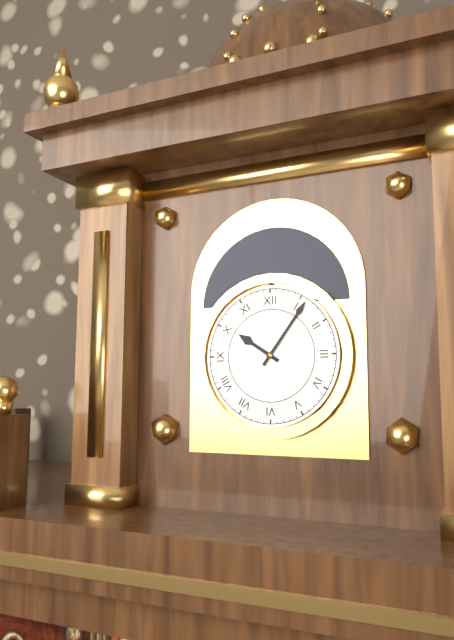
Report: **10:06**
